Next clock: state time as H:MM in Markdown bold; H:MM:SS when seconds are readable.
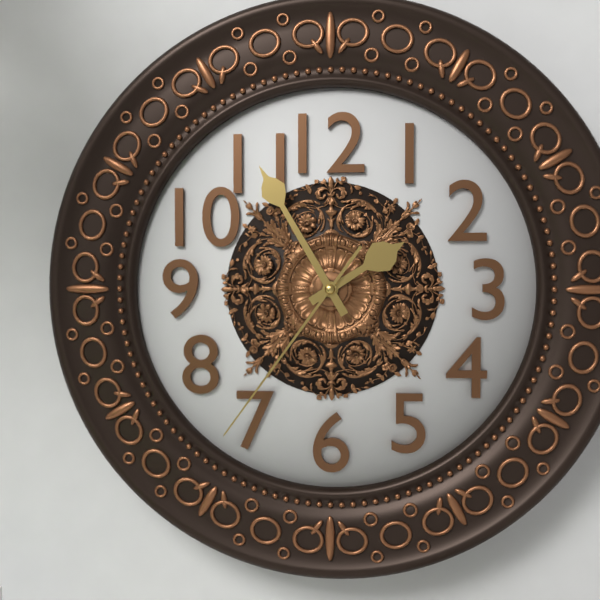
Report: **1:55:36**
